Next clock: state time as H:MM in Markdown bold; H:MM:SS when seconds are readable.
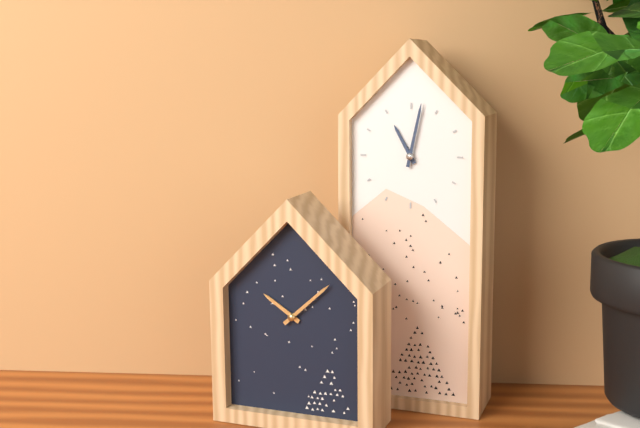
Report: **11:02**
